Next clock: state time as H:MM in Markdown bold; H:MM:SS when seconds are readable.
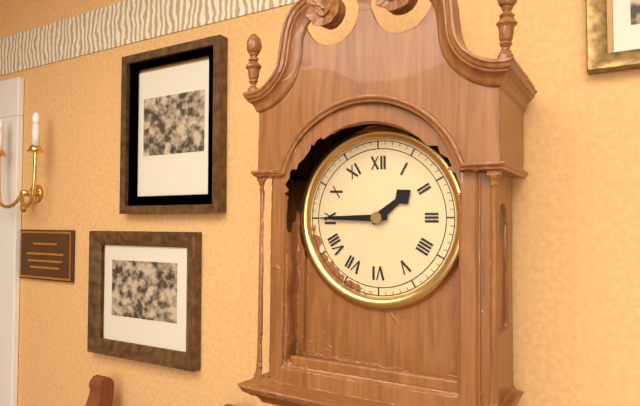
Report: **1:45**
